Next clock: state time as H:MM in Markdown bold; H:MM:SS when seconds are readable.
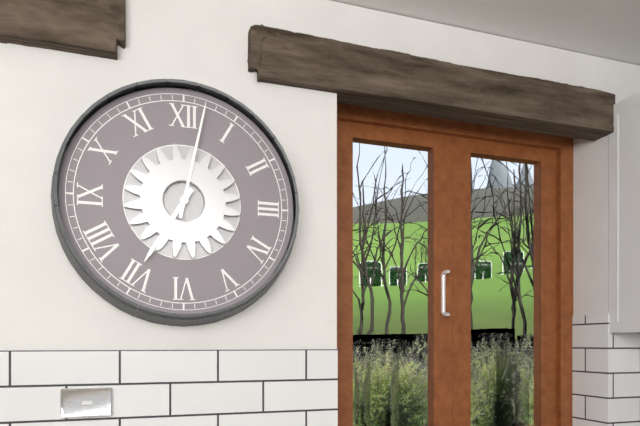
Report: **7:02**
